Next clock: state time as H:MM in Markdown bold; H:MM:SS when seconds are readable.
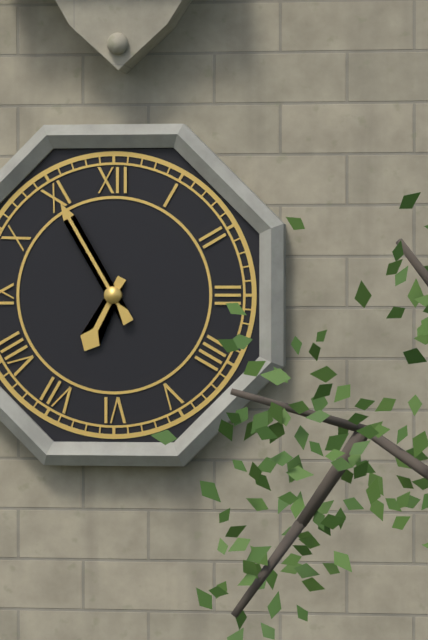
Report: **6:55**
